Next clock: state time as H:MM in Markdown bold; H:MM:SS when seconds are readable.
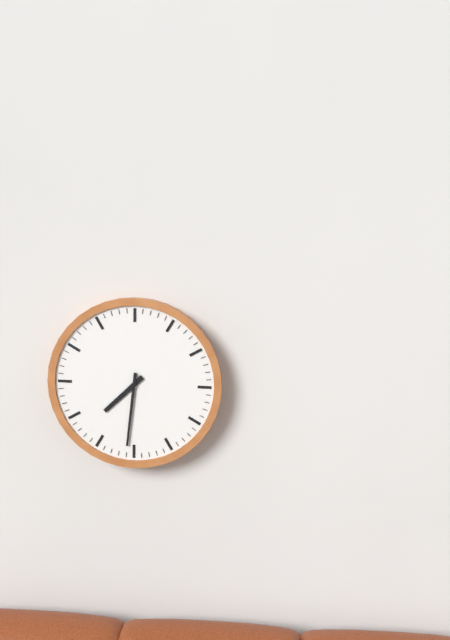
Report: **7:31**
